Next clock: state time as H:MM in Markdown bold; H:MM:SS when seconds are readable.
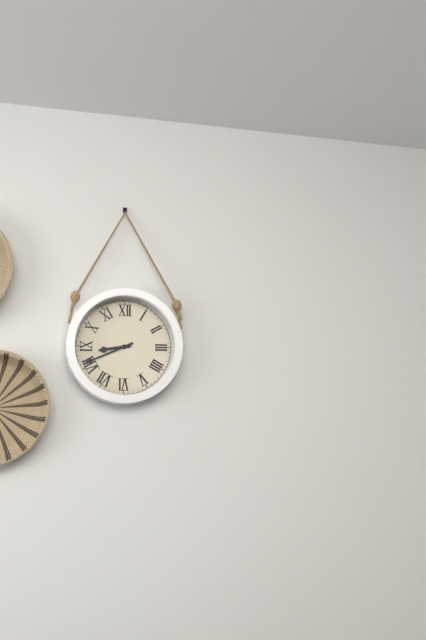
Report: **8:41**
